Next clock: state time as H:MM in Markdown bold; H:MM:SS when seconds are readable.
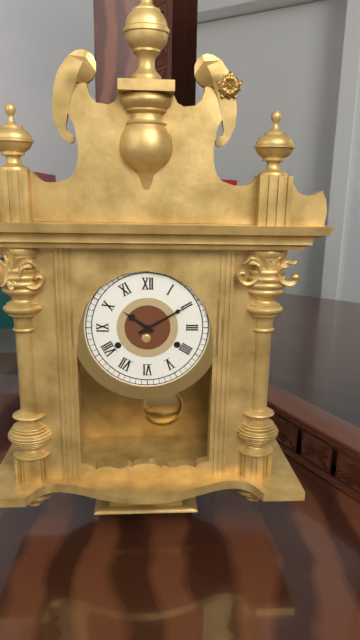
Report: **10:10**
